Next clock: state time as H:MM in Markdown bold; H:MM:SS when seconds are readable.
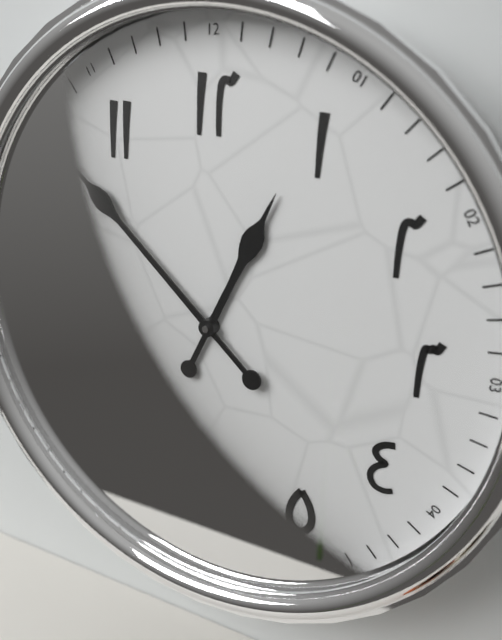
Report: **12:52**
